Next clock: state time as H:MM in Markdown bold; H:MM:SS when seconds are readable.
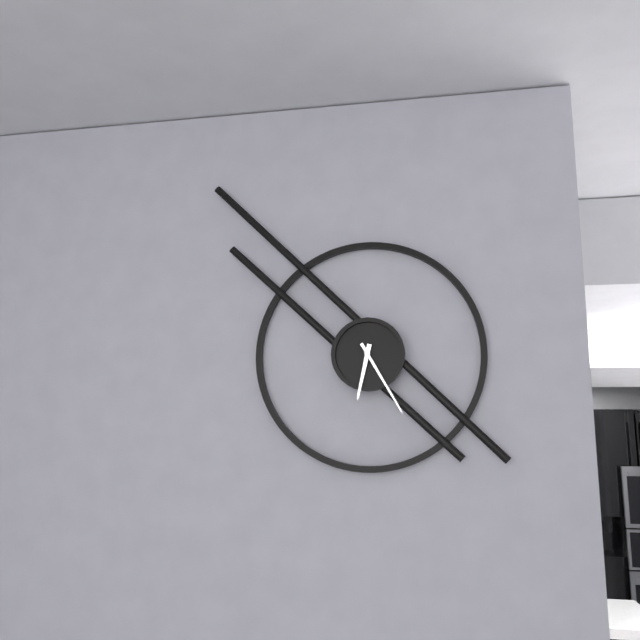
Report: **6:25**
